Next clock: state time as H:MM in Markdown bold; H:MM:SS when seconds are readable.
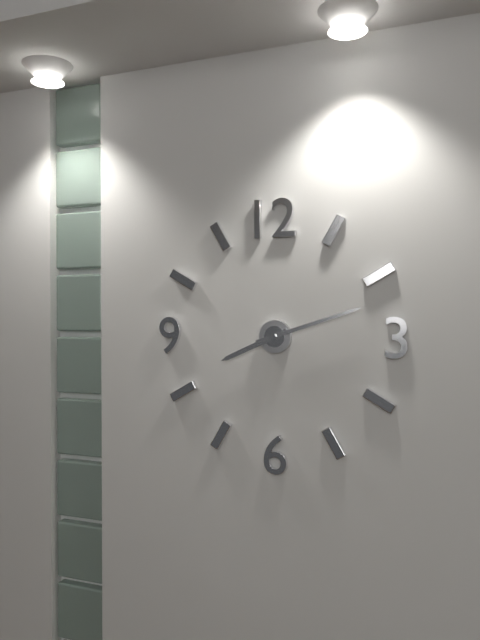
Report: **8:12**
